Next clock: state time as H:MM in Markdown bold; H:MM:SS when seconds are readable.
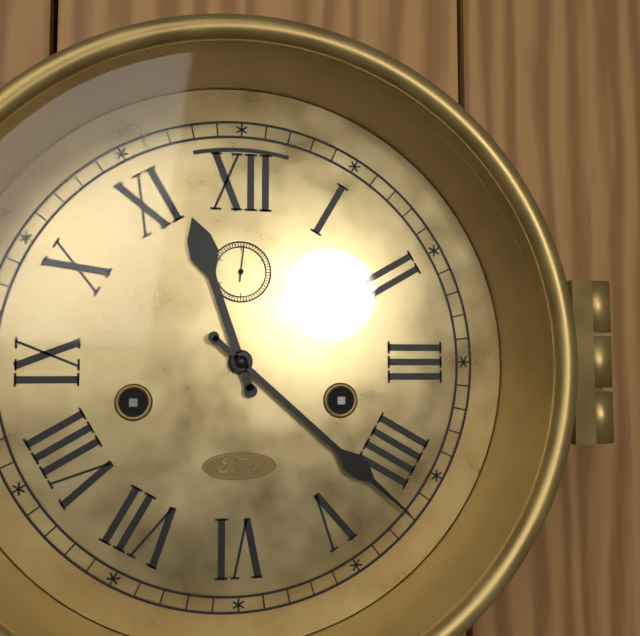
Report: **11:22**
